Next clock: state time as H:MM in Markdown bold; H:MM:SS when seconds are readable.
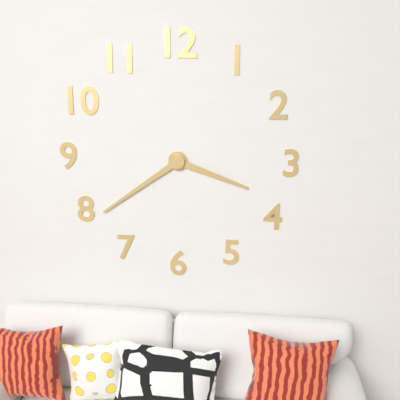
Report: **3:39**
